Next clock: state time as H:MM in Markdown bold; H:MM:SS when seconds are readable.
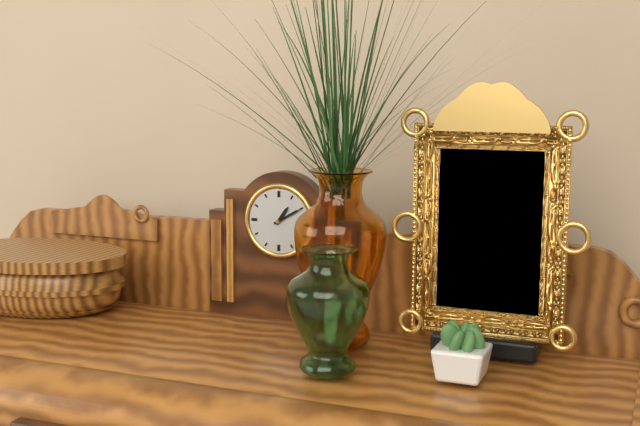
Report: **1:10**
